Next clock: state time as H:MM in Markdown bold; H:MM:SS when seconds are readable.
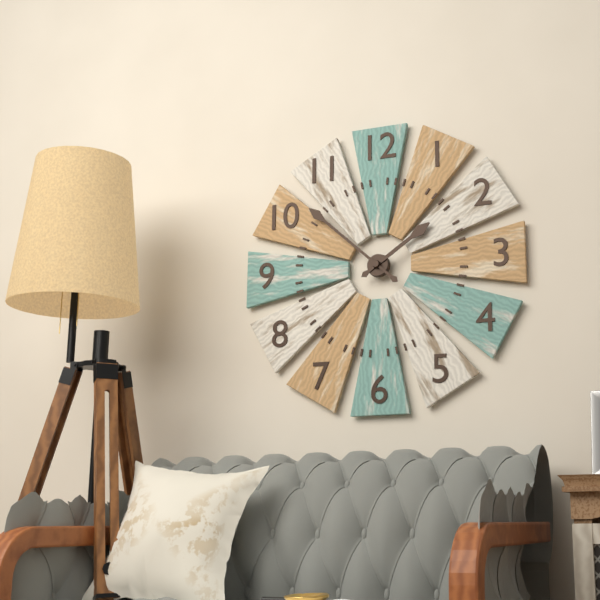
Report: **1:52**
